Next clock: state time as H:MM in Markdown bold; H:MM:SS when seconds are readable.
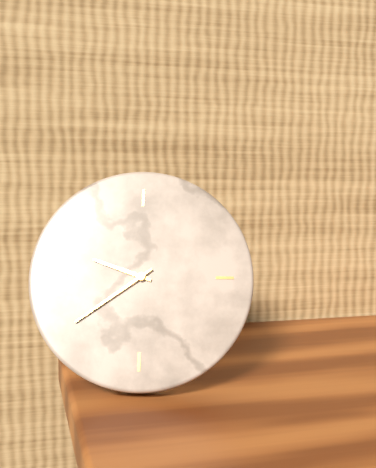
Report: **9:39**
